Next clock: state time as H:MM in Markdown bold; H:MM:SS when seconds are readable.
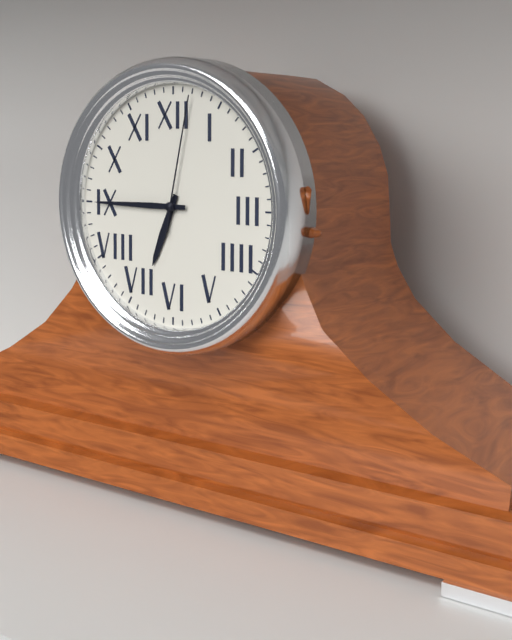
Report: **6:45:02**
